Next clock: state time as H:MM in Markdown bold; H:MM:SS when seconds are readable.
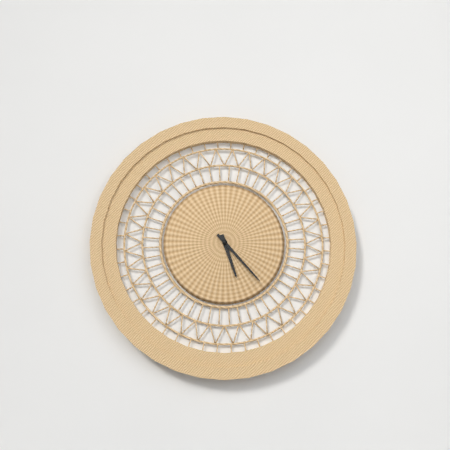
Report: **5:23**
